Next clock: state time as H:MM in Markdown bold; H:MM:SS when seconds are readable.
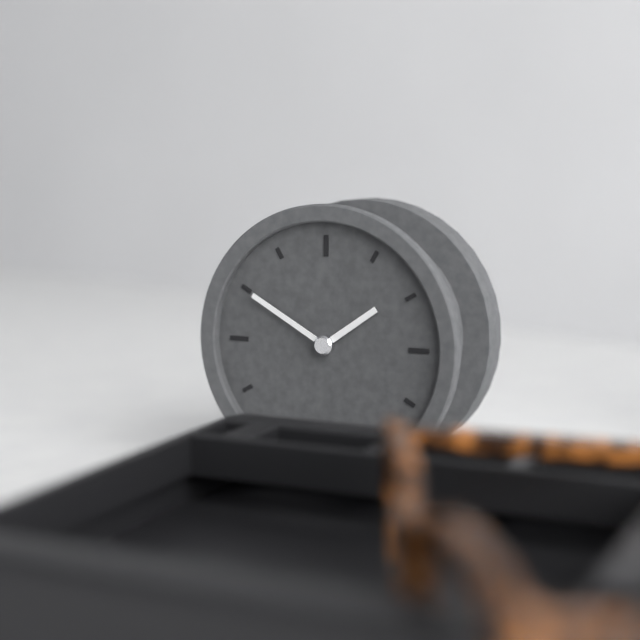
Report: **1:50**
